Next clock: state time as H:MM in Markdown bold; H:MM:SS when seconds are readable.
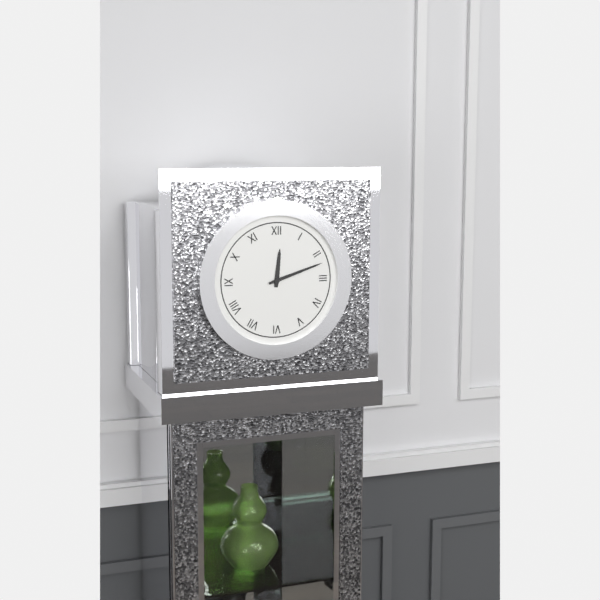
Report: **12:12**
